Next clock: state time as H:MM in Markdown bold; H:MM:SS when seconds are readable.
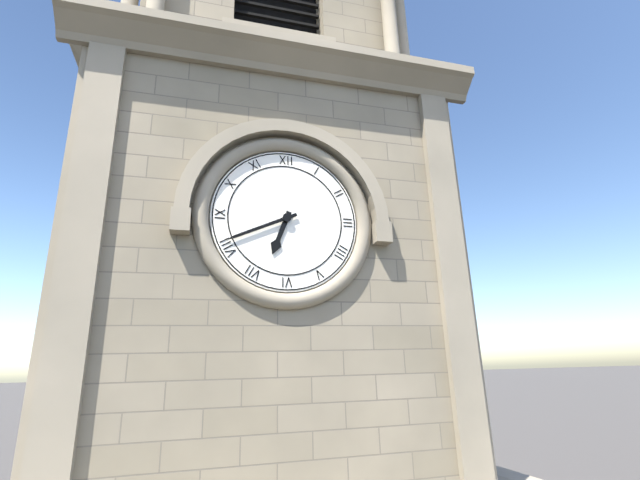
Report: **6:41**
